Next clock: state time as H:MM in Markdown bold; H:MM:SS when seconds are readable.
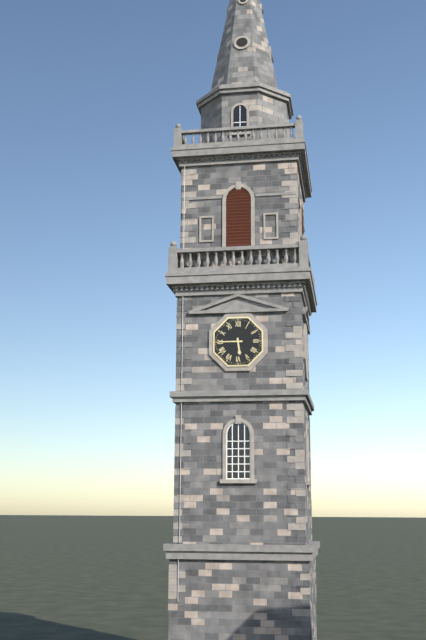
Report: **5:45**
